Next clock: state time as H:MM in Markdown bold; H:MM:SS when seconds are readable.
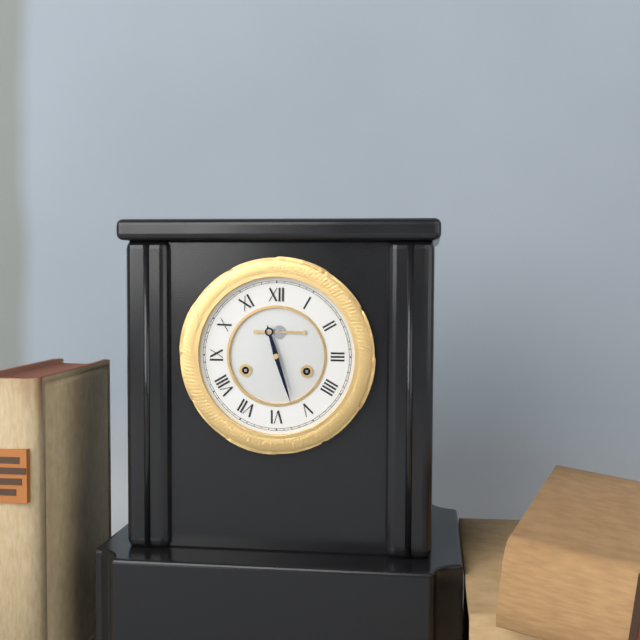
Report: **11:27**
